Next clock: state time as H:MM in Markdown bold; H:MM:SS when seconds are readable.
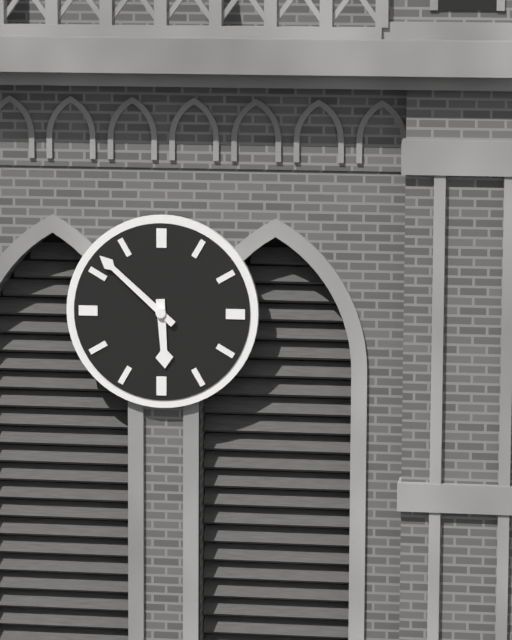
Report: **5:52**
